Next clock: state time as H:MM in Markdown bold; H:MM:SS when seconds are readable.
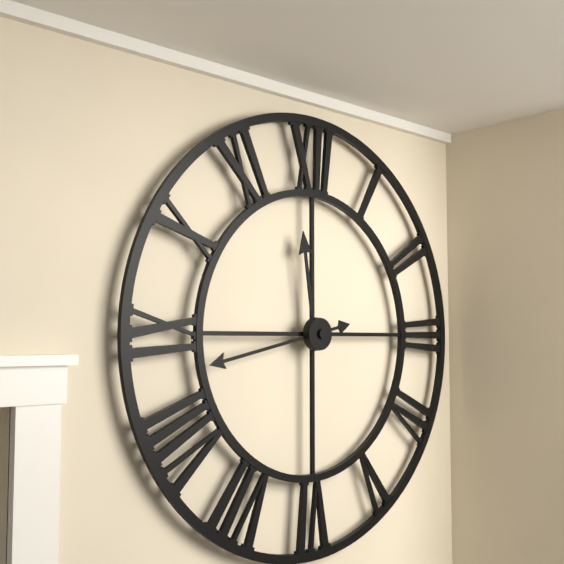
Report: **11:43**
